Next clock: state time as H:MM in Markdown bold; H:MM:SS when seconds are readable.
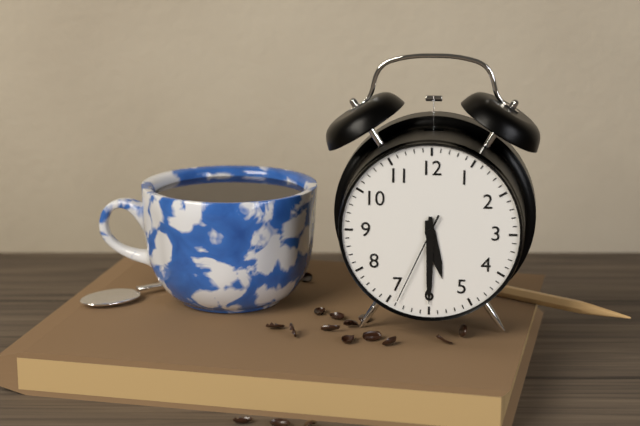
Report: **5:30:34**
